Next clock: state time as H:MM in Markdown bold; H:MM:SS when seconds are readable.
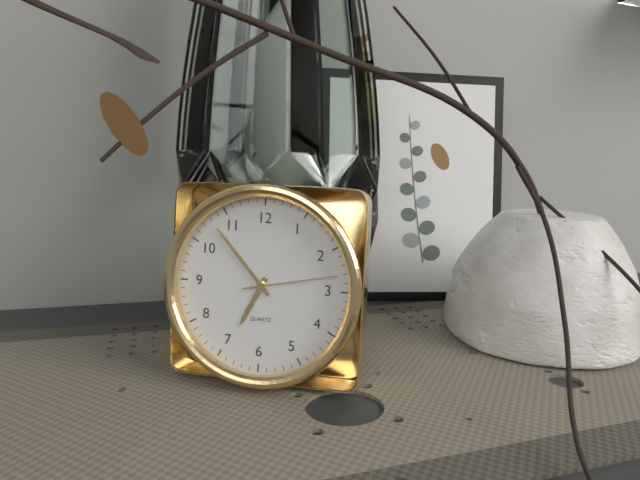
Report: **6:53:13**
